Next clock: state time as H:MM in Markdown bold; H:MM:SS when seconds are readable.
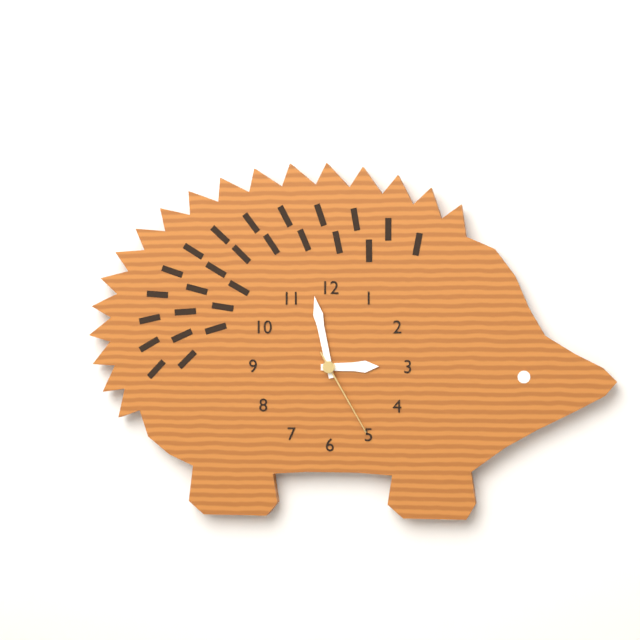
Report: **2:58:25**
